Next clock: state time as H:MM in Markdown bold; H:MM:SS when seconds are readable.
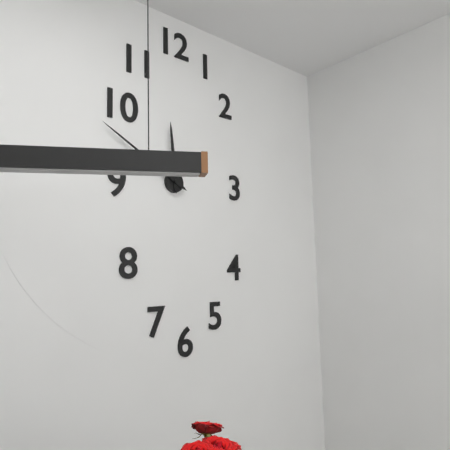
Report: **11:50**
